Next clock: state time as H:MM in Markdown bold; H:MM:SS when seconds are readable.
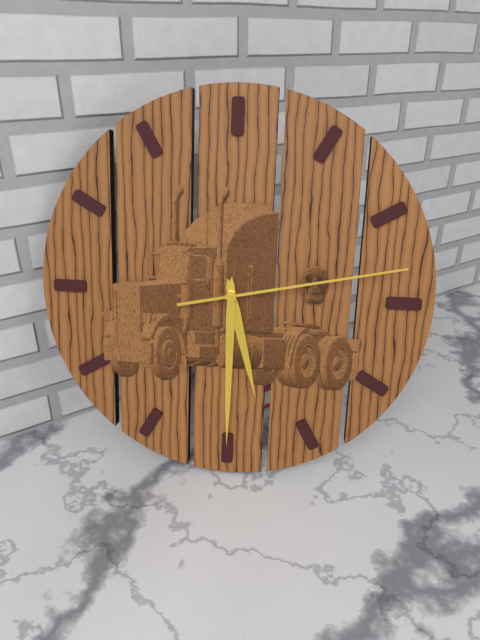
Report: **5:30:13**
